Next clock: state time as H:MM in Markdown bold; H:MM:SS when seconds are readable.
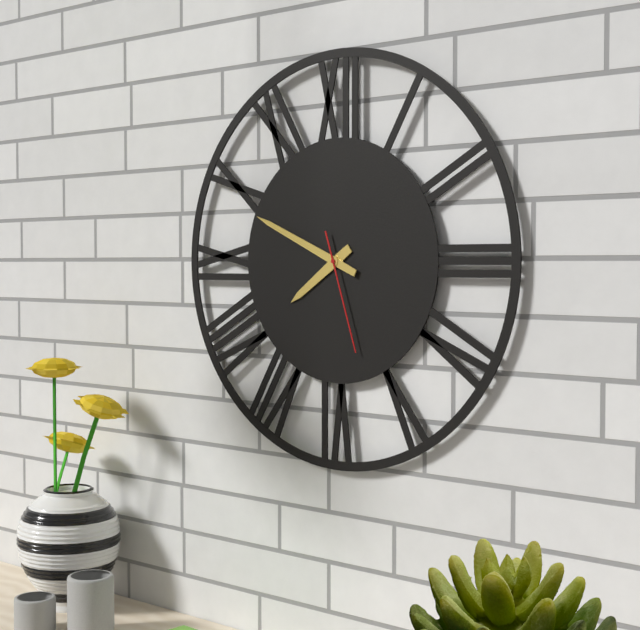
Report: **7:49:27**
